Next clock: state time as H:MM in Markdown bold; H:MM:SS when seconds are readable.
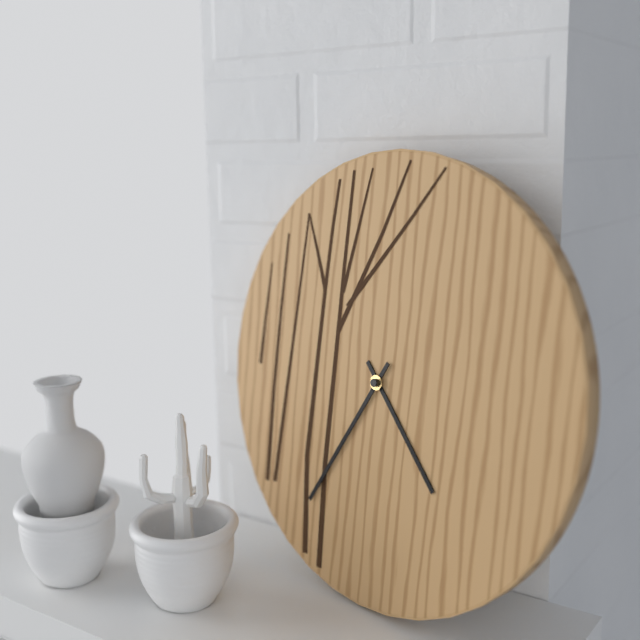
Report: **4:35**
